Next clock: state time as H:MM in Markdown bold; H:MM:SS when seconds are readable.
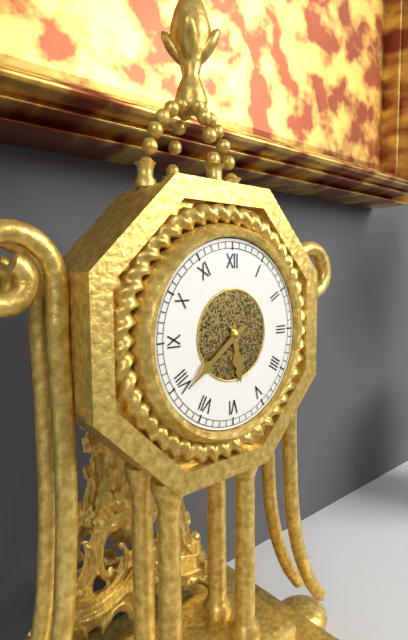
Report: **5:39**
